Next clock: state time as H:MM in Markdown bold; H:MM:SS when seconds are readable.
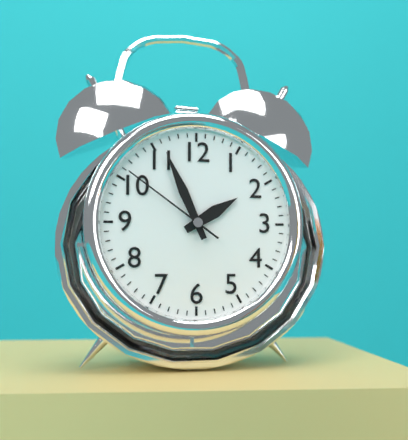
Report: **1:56:51**
